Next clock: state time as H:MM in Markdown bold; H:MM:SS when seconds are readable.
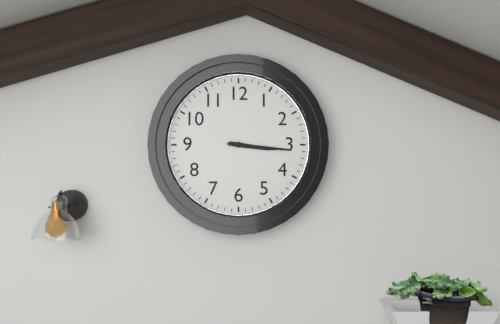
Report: **3:16**
